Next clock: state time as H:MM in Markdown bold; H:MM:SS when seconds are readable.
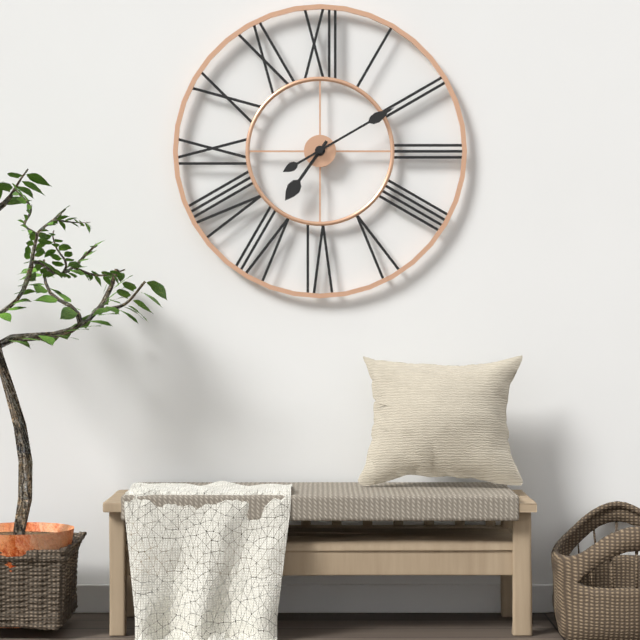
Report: **7:10**
